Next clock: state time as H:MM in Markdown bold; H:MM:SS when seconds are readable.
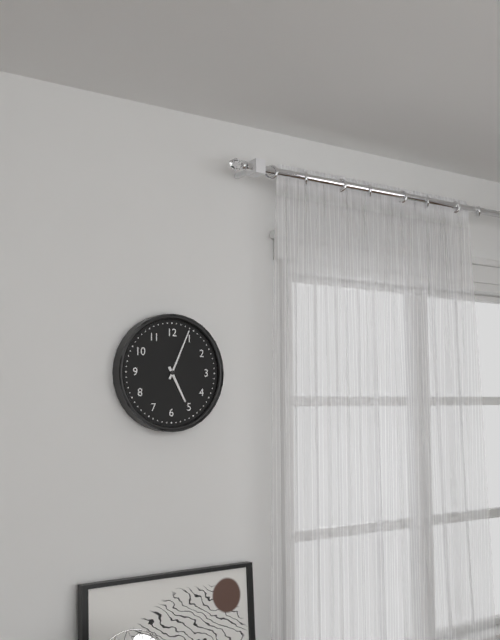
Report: **5:04**
